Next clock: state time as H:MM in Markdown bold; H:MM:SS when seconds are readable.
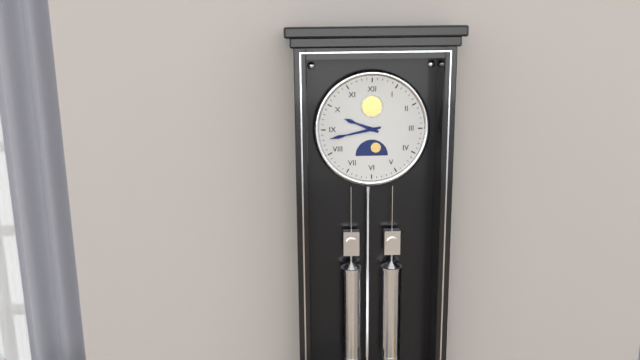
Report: **9:43**
